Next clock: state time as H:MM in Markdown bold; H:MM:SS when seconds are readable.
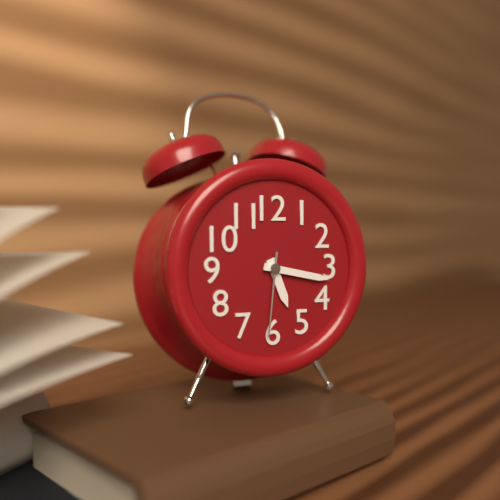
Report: **5:17:31**
